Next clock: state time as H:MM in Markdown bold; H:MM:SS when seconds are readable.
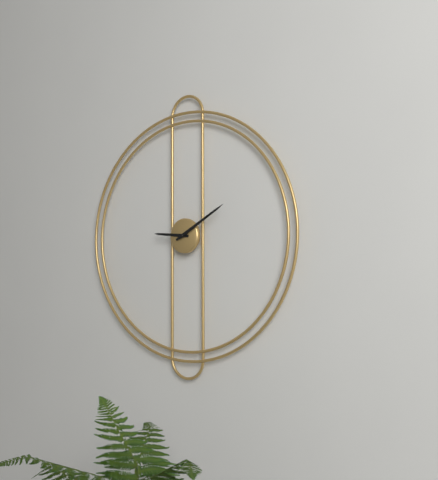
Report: **9:10**
